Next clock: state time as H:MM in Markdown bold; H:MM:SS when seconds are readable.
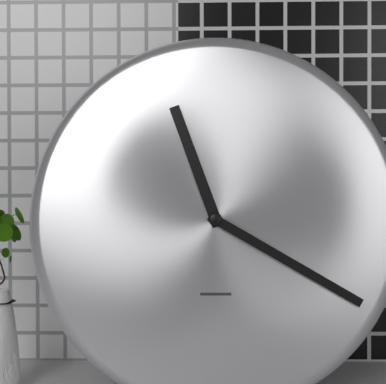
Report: **11:20**
